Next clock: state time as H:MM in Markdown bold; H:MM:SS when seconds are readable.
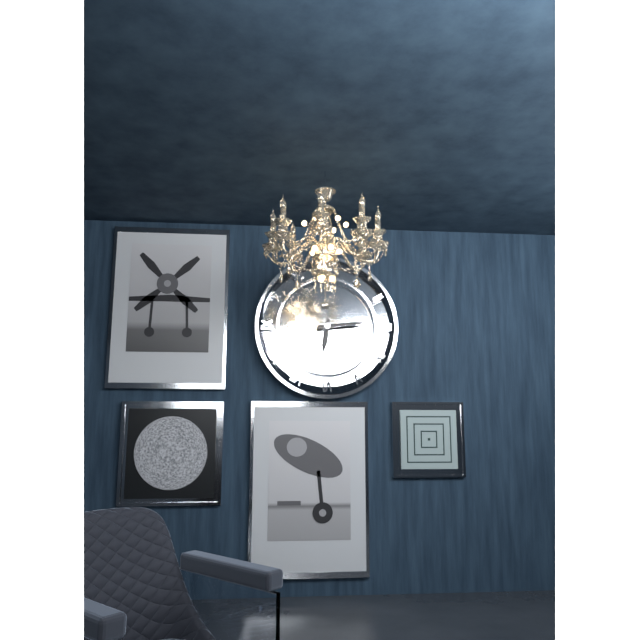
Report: **6:14**
